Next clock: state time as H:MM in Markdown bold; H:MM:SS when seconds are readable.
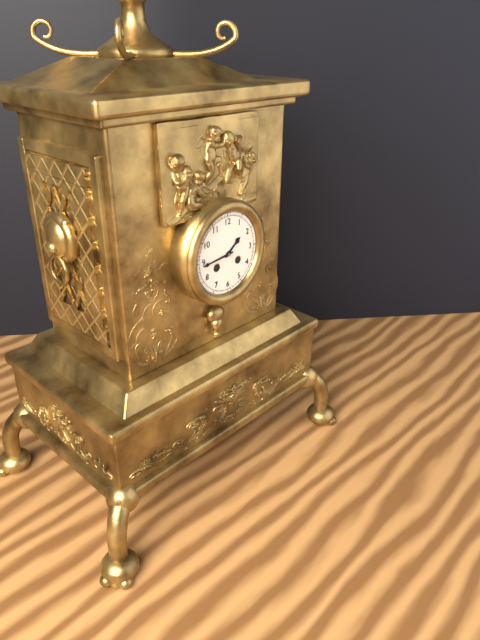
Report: **1:44**
